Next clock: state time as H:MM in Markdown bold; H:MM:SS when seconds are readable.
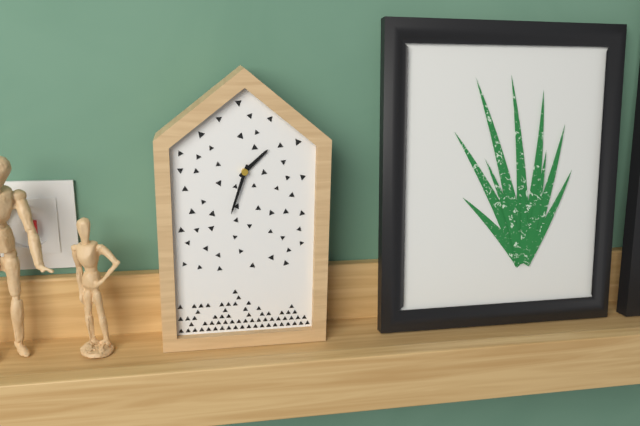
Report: **1:33**
